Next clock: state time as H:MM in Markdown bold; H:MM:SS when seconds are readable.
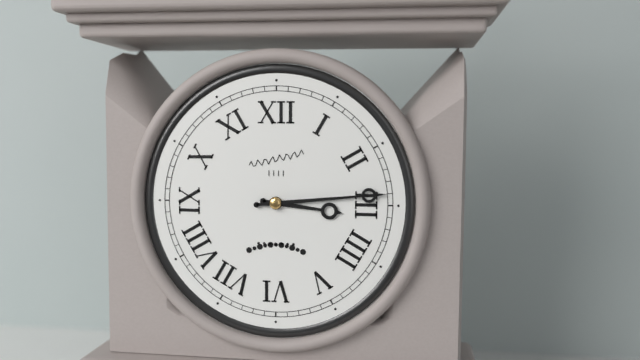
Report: **3:14**
